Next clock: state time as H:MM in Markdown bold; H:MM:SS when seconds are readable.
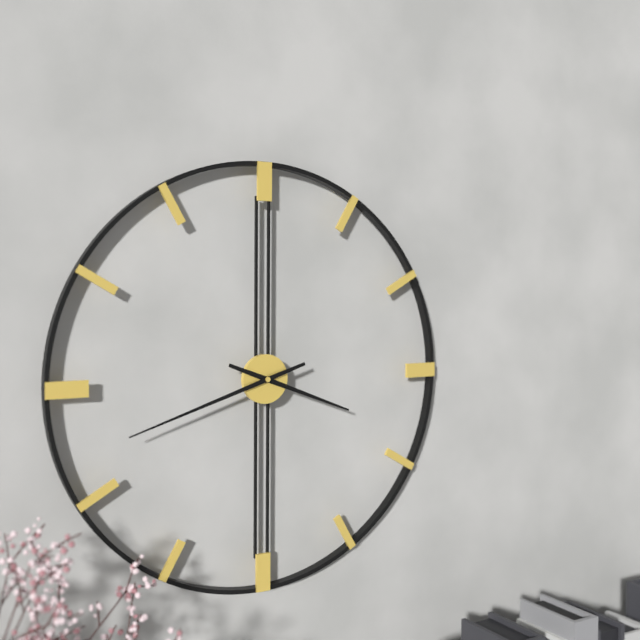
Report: **3:42**
